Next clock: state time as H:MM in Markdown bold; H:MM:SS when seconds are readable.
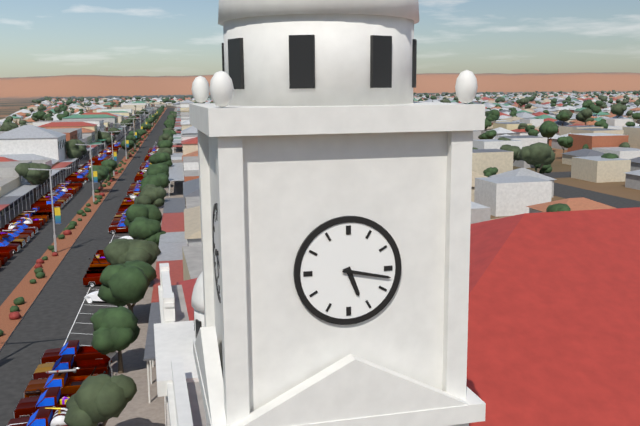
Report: **5:17**
